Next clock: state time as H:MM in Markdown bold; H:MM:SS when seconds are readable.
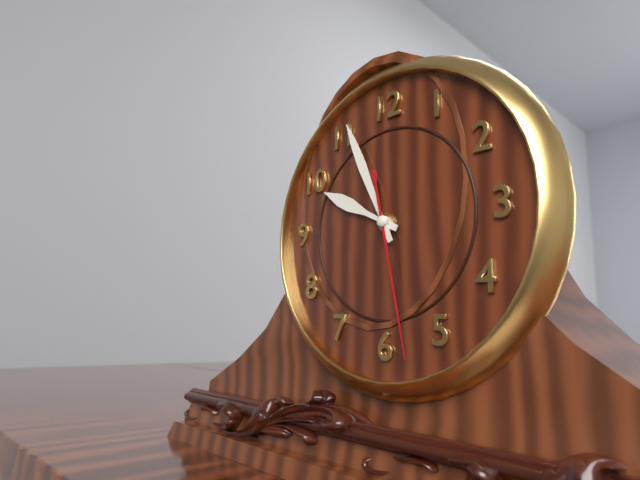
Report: **9:56:28**
